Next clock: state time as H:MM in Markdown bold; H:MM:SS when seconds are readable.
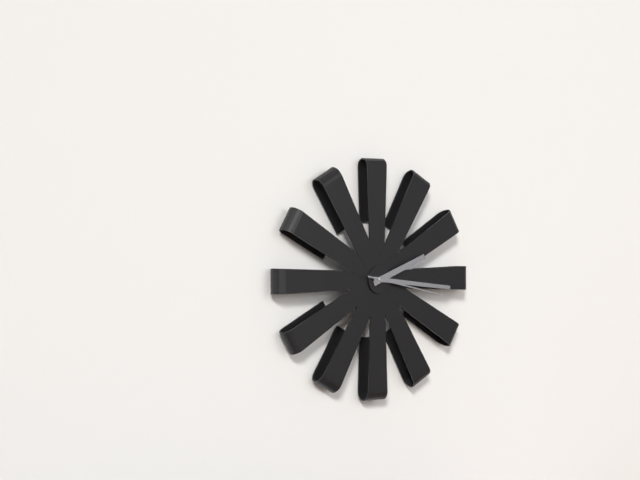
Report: **2:16:17**
